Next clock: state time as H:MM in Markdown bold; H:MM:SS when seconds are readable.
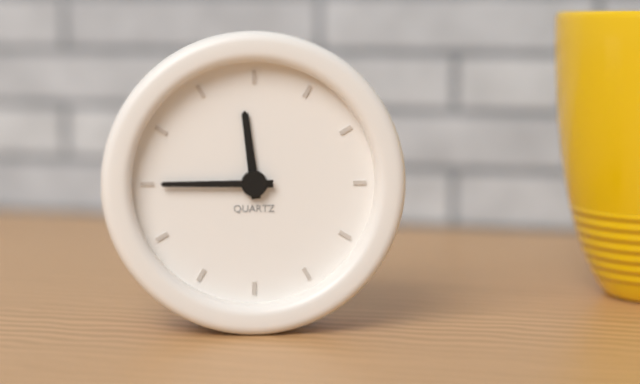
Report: **11:45**
